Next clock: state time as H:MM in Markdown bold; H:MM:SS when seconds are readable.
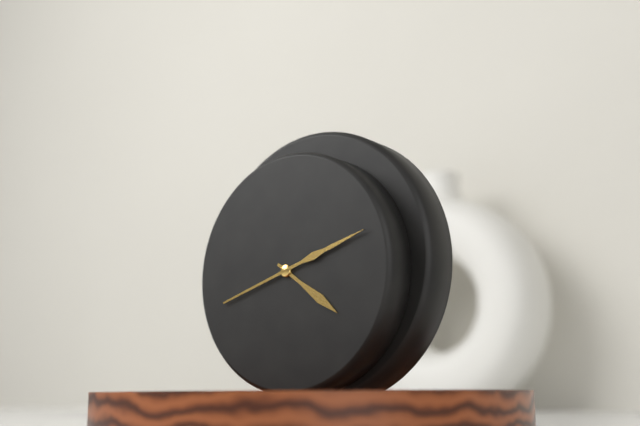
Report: **4:12**
